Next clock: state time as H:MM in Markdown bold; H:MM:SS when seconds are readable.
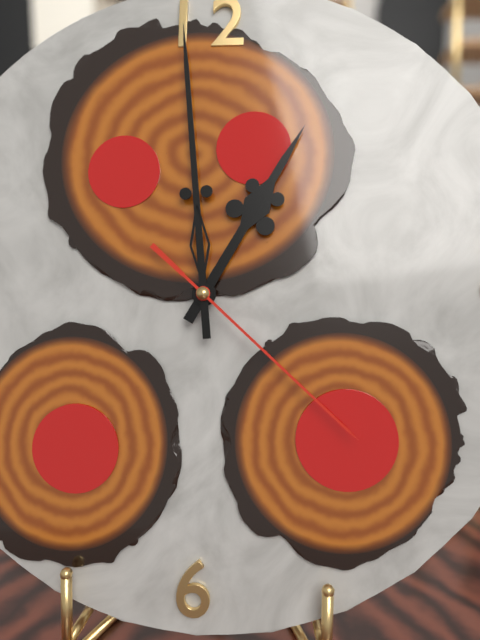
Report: **12:59:22**
